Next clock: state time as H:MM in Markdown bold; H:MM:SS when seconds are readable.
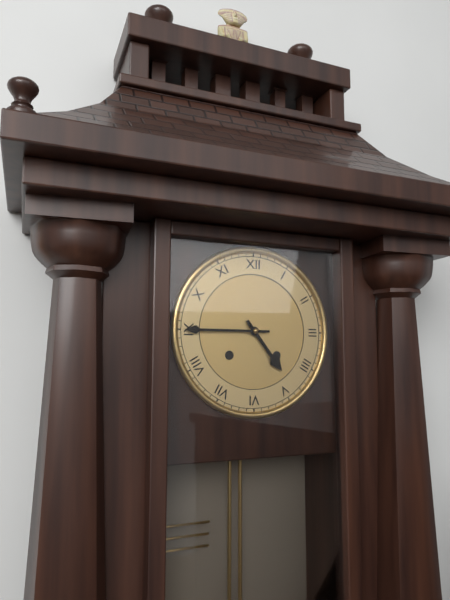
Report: **4:45**
